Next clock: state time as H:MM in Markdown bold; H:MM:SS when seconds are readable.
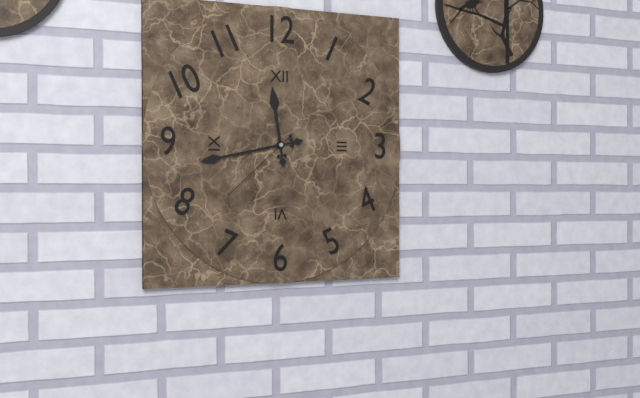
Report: **11:43:38**
